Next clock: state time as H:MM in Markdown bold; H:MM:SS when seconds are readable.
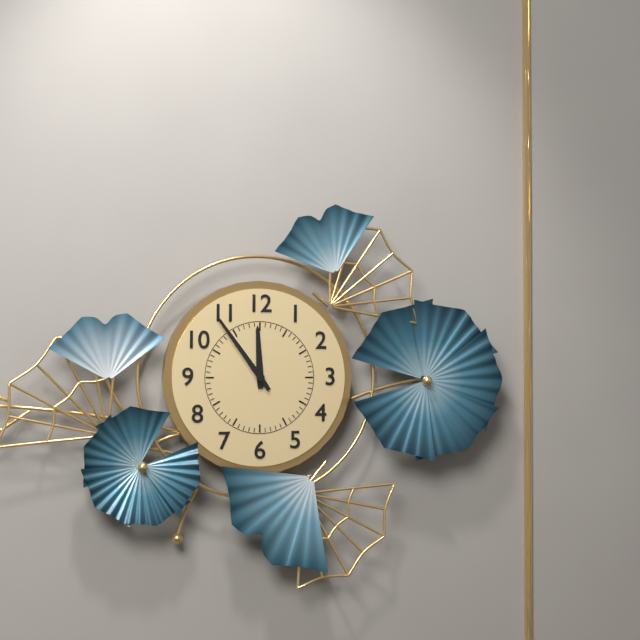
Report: **11:54**
